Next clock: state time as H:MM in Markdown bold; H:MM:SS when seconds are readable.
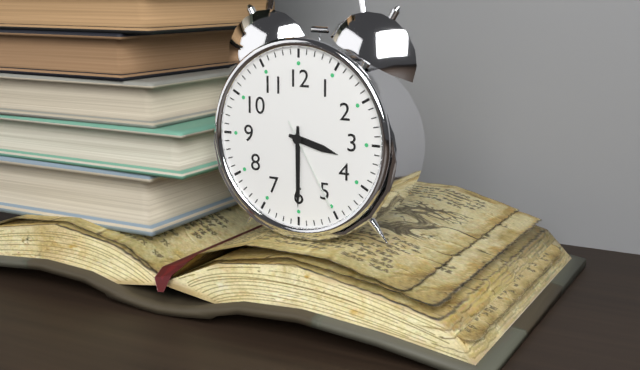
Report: **3:30:25**
